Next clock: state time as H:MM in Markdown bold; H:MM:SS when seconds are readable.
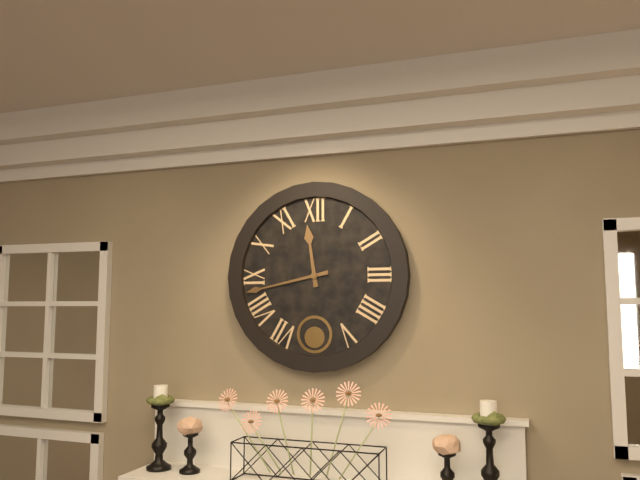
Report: **11:43**
